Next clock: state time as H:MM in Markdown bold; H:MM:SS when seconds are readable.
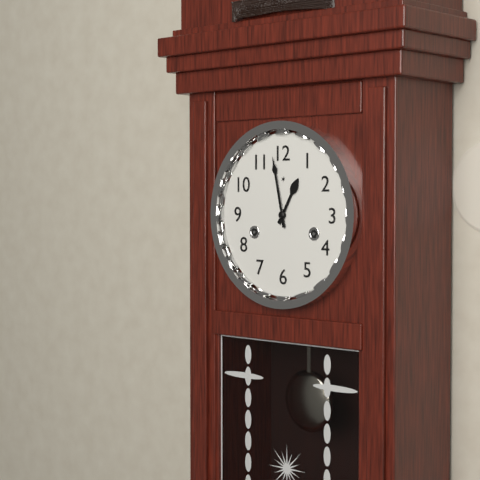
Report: **12:58**
